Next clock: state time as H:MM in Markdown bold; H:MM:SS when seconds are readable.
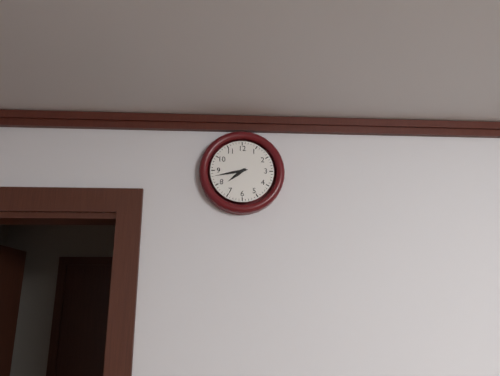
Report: **7:43**
